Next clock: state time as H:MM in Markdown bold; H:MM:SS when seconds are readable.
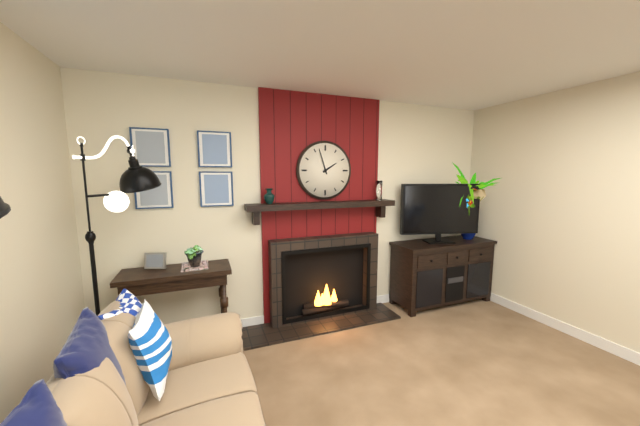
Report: **1:57**
